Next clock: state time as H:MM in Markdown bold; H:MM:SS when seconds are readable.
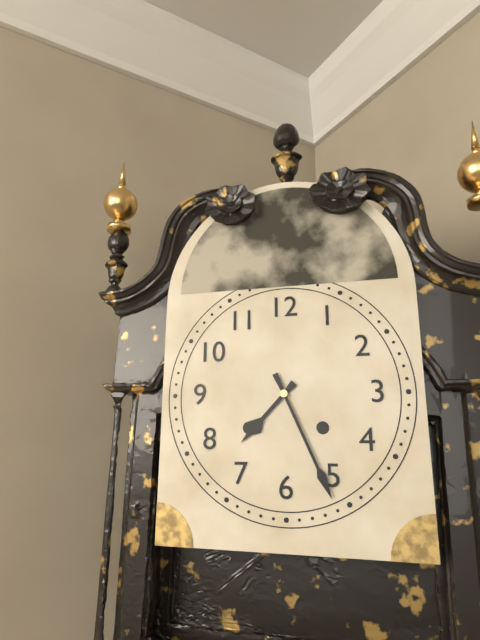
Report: **7:26**
